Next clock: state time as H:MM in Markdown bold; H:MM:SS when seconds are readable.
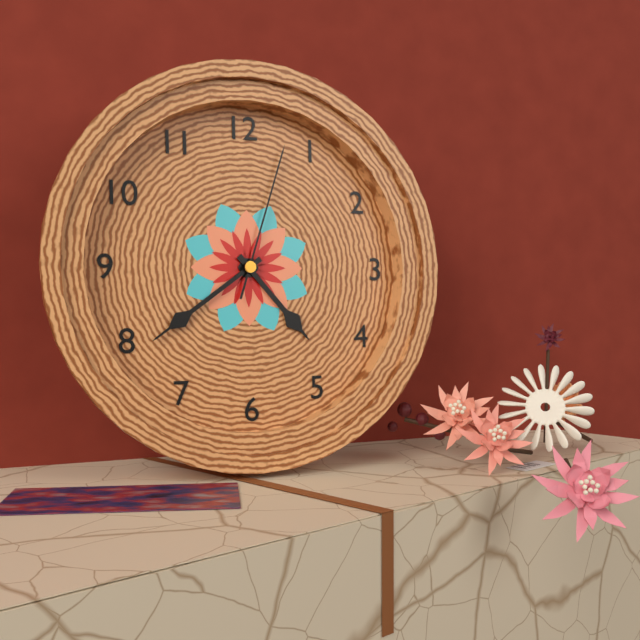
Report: **4:39:03**
